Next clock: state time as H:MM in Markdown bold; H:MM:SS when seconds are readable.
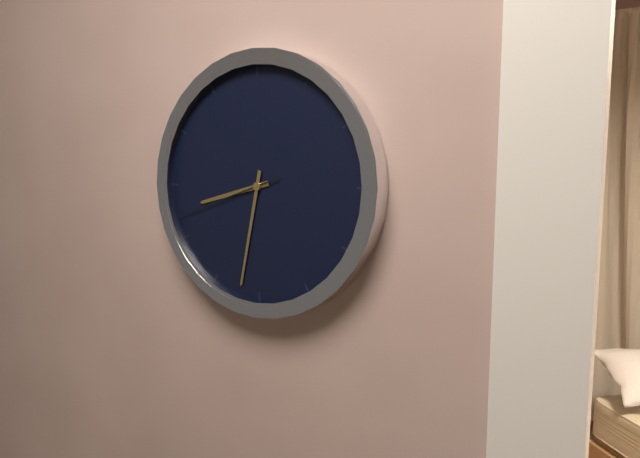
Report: **8:32:42**
